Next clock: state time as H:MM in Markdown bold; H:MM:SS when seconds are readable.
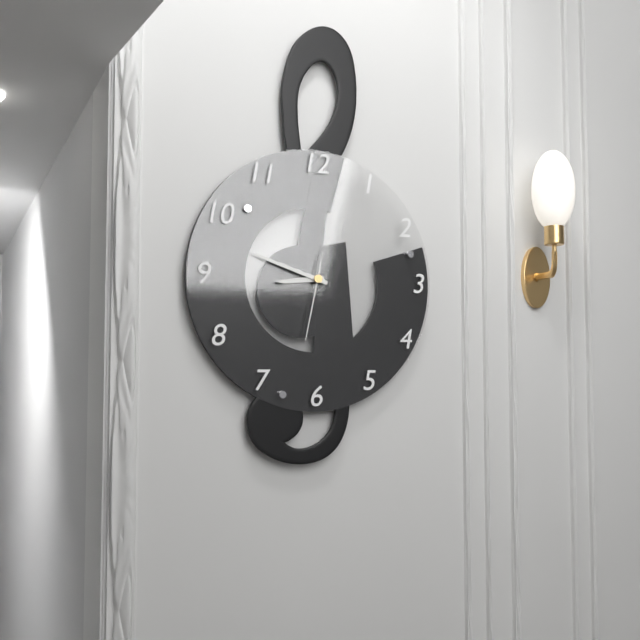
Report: **8:48:32**
